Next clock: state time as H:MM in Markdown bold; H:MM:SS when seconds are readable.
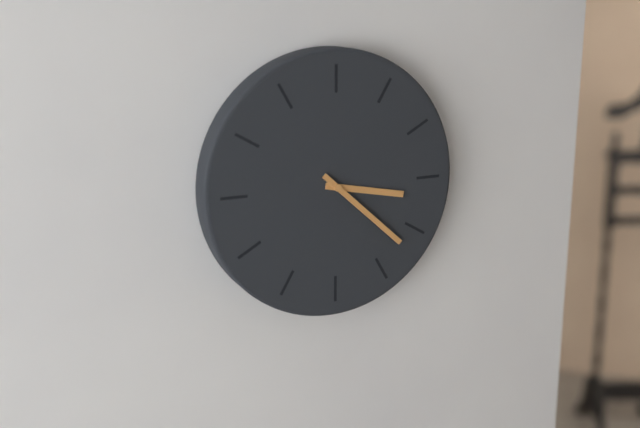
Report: **3:22**
